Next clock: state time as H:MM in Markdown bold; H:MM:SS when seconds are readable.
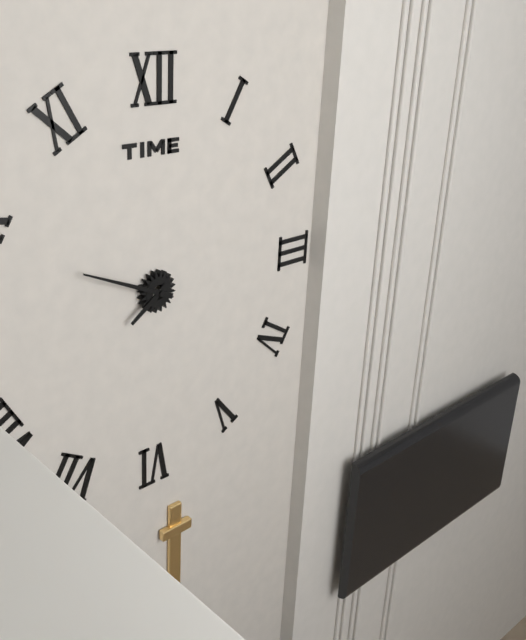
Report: **7:49**
